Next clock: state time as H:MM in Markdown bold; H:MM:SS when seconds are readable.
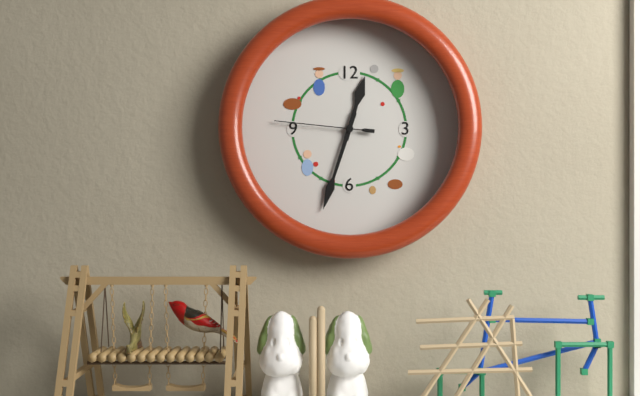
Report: **12:33:46**
